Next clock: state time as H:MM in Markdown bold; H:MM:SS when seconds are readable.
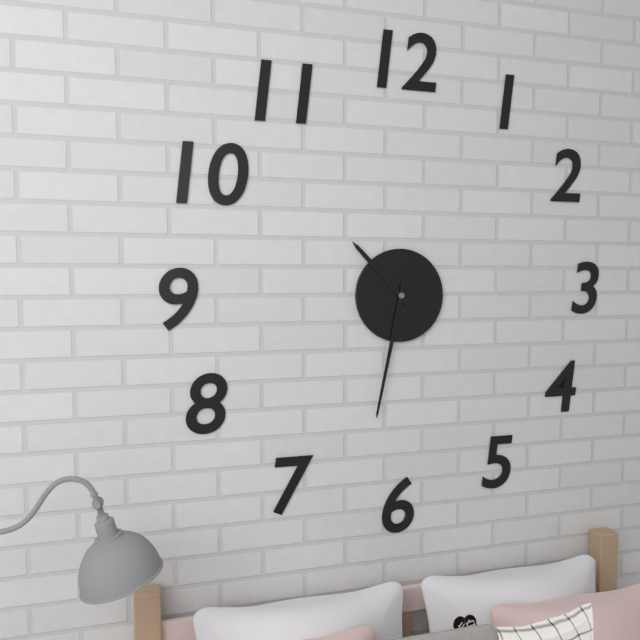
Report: **10:32**
